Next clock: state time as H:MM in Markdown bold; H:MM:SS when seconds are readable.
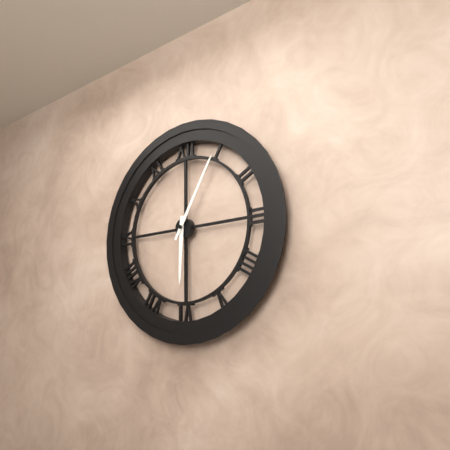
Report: **6:05**
